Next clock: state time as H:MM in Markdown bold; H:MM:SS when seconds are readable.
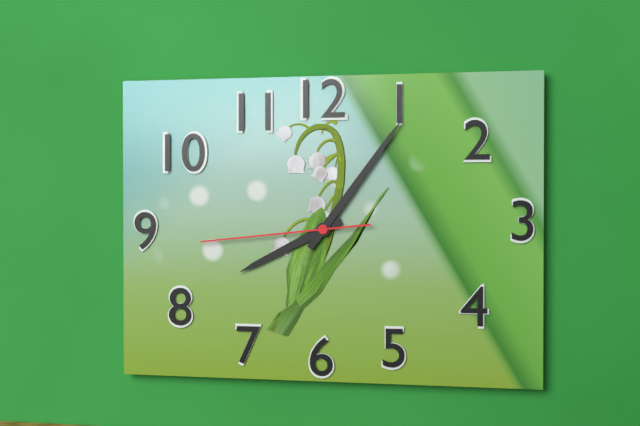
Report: **8:06:44**
